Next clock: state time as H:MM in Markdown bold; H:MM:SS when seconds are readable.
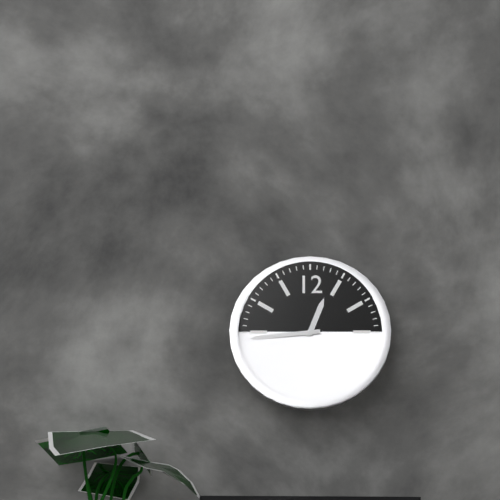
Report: **12:44**
